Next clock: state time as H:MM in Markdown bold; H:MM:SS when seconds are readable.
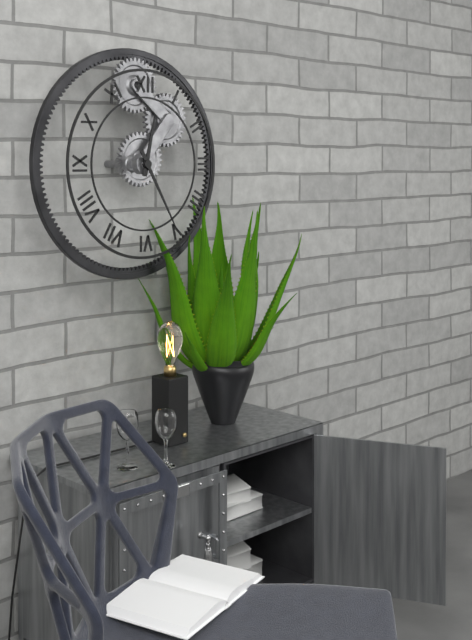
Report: **12:25**
